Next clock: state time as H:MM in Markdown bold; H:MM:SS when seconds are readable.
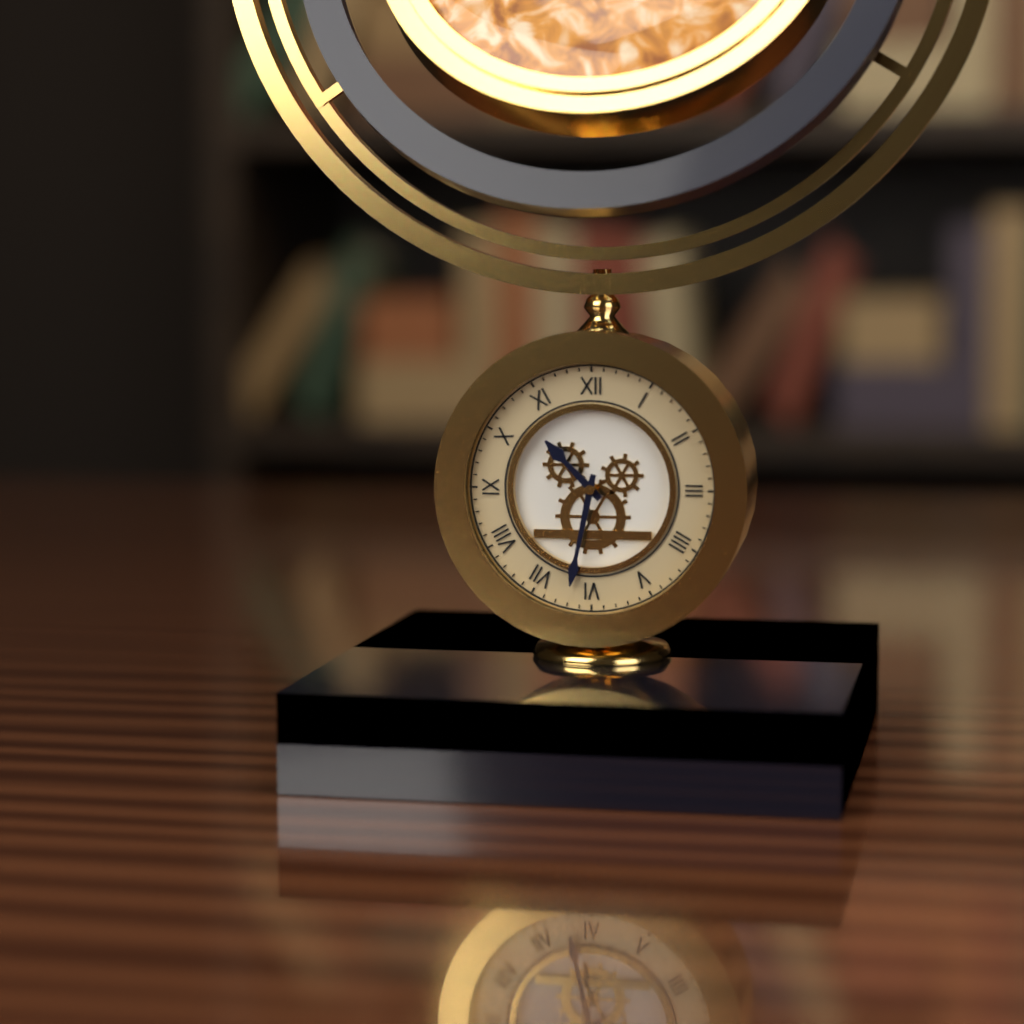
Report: **10:32**
